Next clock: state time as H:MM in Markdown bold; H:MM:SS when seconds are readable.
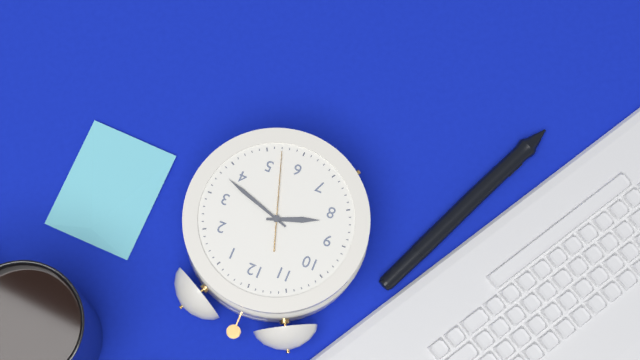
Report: **8:18:27**
